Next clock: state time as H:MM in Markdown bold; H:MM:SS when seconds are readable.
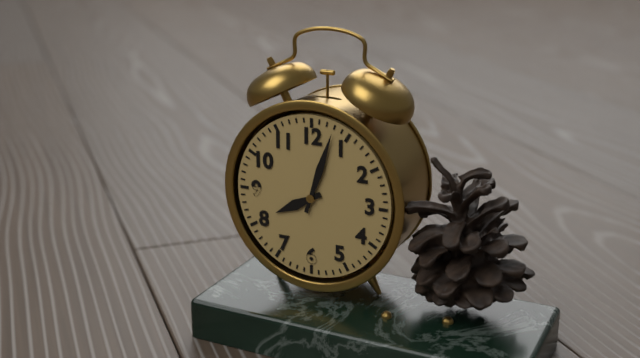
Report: **8:03**
